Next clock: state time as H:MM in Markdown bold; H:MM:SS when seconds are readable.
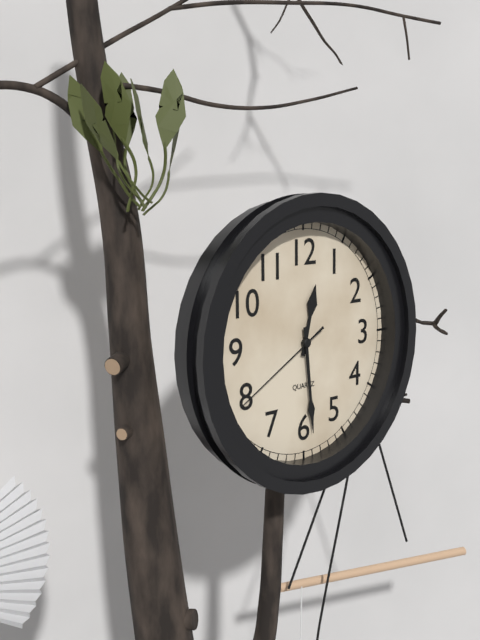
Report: **12:29:40**
